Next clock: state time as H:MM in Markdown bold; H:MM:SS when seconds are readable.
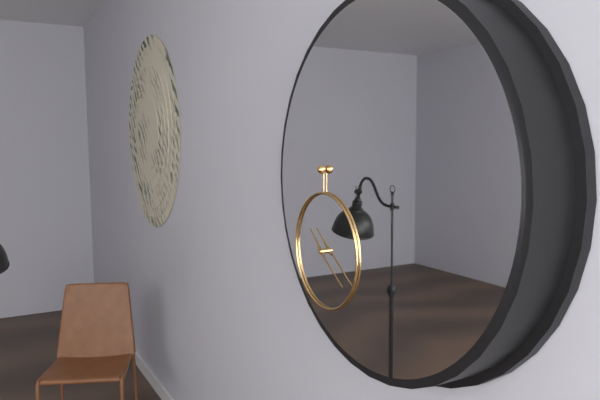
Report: **10:21**
